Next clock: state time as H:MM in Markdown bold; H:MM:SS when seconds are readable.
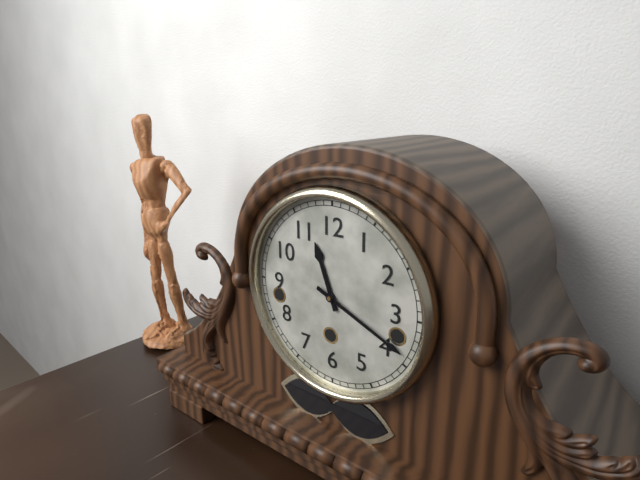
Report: **11:19**
